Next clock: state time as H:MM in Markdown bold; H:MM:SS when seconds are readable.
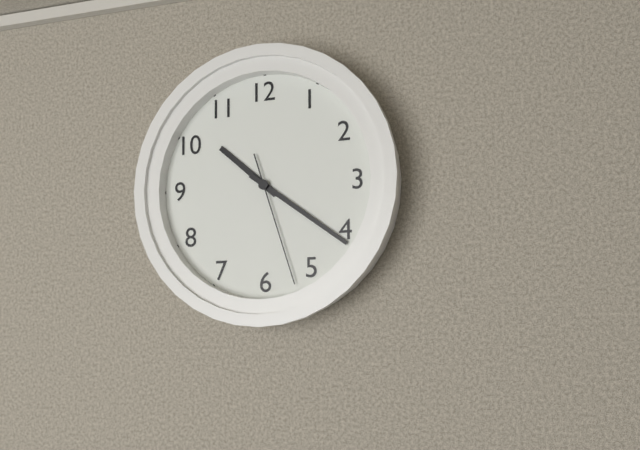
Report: **10:21:27**
